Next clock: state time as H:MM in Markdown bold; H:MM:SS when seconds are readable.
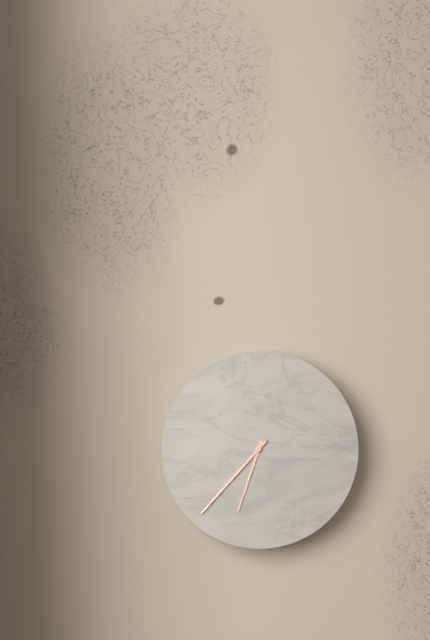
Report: **6:37**
